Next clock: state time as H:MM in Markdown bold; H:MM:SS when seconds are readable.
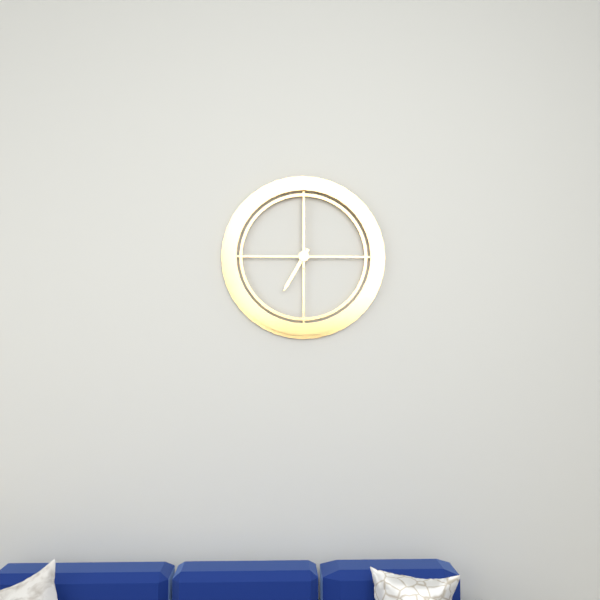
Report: **7:00**
